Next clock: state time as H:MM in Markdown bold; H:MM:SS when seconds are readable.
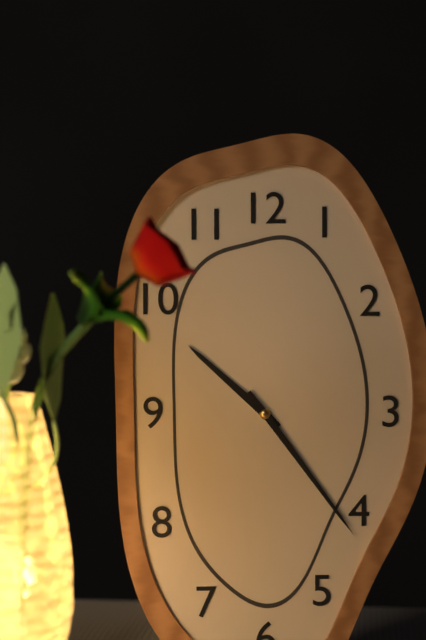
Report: **10:24**
